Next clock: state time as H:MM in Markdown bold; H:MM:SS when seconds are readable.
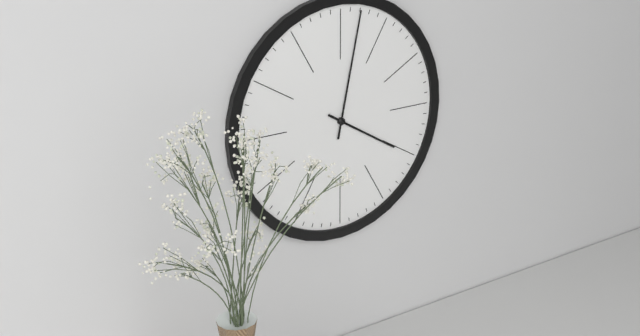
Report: **4:02**
